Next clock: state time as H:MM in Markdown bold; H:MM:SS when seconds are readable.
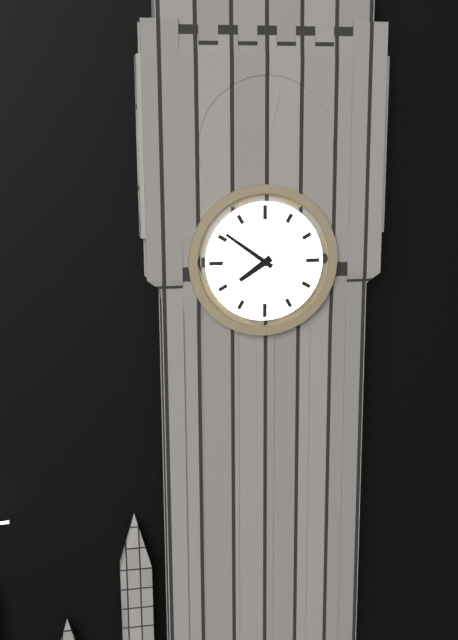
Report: **7:51**
